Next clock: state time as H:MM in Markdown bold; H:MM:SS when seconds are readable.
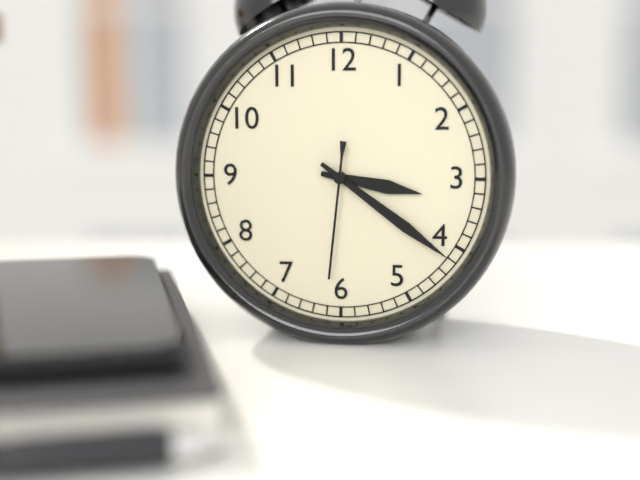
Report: **3:21:31**
